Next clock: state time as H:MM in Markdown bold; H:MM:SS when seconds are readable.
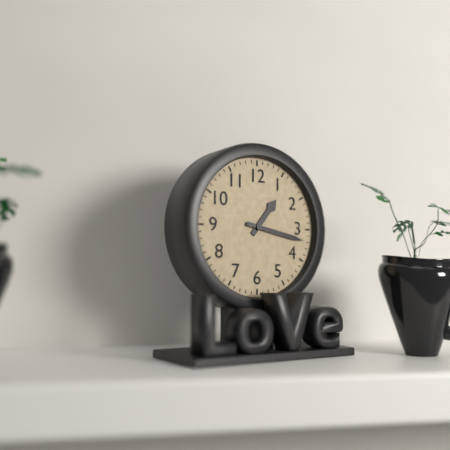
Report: **1:17**
